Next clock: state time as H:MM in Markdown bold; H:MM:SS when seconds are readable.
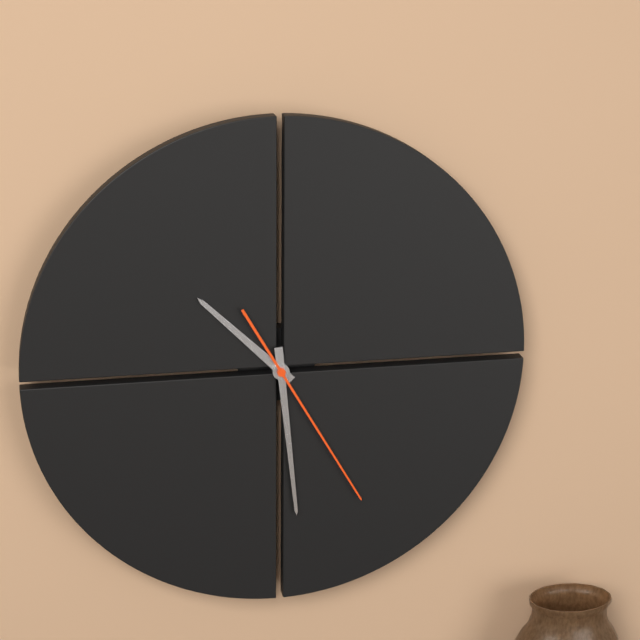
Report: **10:29:25**
